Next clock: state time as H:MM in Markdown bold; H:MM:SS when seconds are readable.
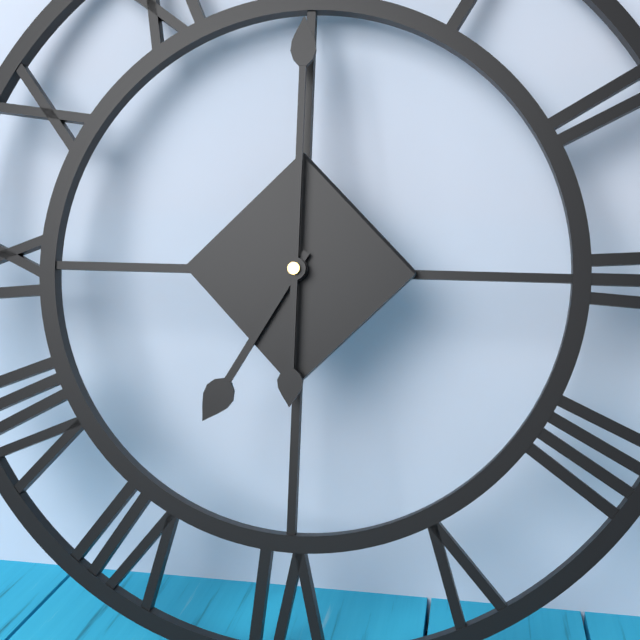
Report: **7:00**
